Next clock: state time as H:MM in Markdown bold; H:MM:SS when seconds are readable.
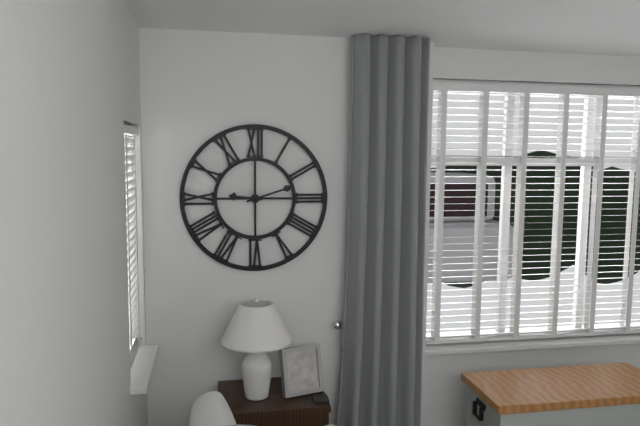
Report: **9:12**
